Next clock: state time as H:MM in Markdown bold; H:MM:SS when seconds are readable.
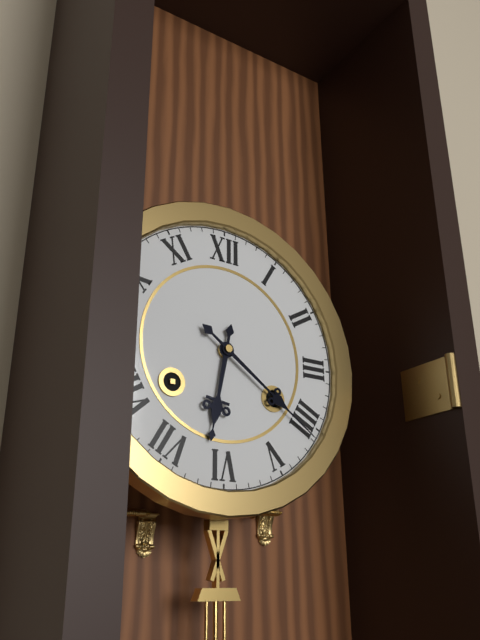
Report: **6:21**
